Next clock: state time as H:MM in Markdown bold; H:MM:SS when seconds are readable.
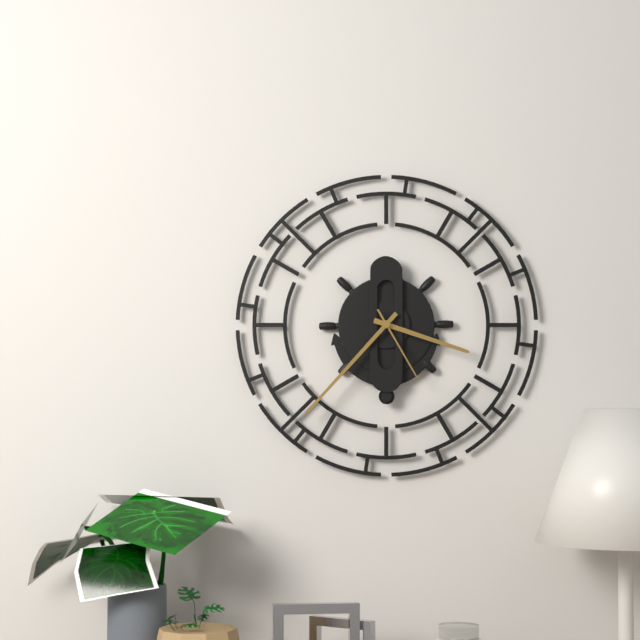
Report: **3:37:25**
